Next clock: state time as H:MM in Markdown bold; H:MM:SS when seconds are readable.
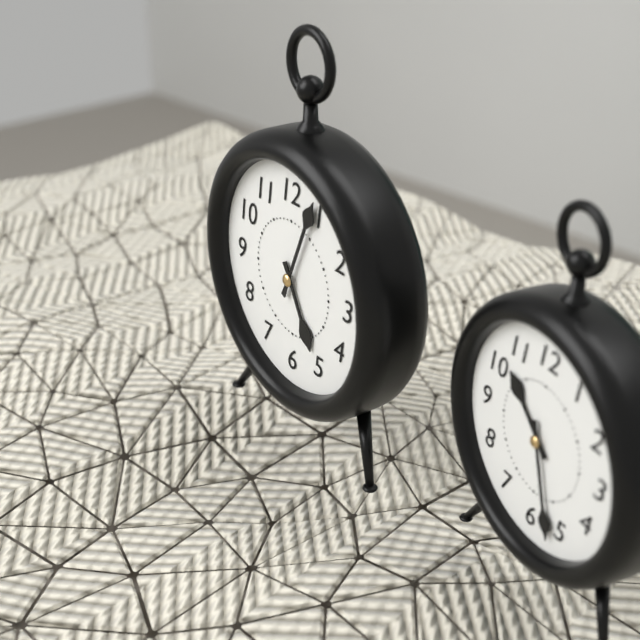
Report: **5:04**
